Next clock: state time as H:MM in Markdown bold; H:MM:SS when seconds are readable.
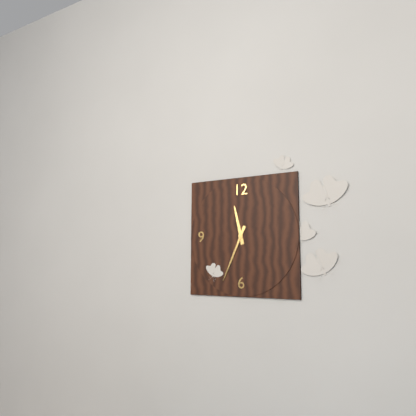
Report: **11:34**
